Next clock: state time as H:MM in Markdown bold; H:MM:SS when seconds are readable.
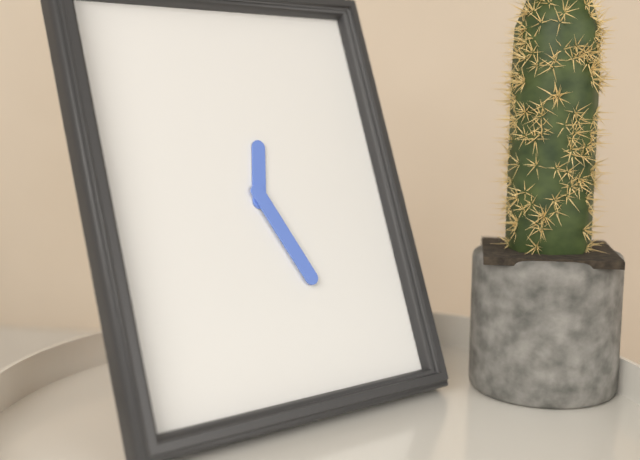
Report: **12:26**
